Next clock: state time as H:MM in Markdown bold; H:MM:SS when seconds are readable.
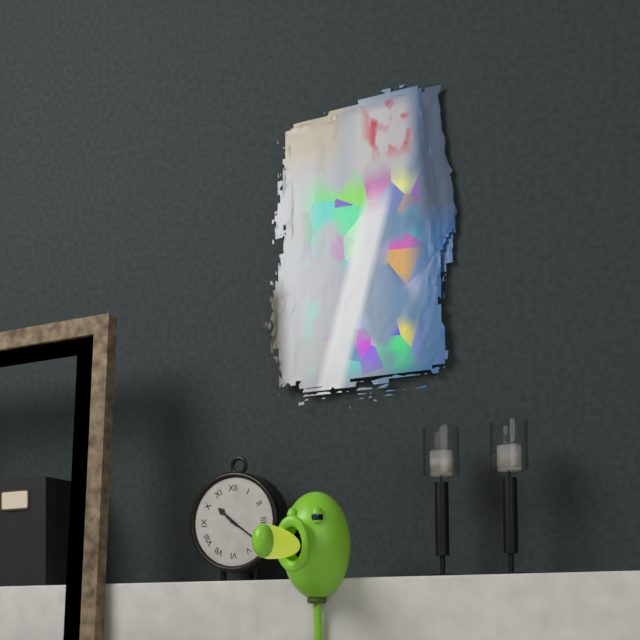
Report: **10:21**
